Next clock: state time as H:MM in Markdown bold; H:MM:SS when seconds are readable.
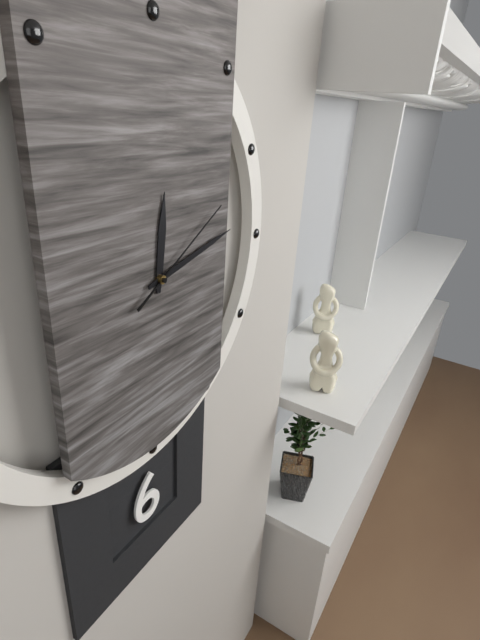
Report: **12:13:10**
